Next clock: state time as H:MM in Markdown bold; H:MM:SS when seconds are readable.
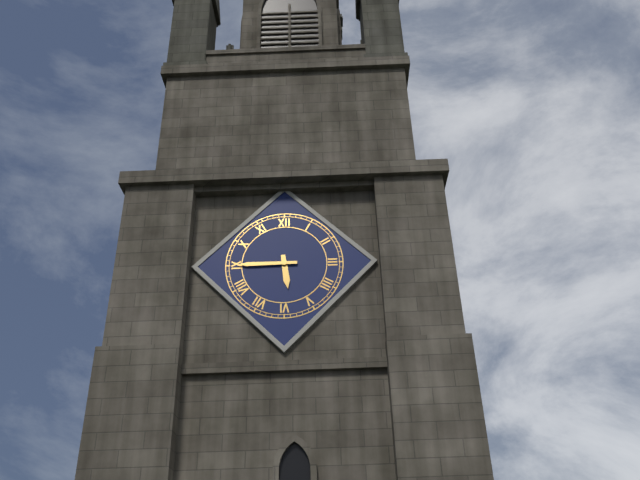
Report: **5:45**
